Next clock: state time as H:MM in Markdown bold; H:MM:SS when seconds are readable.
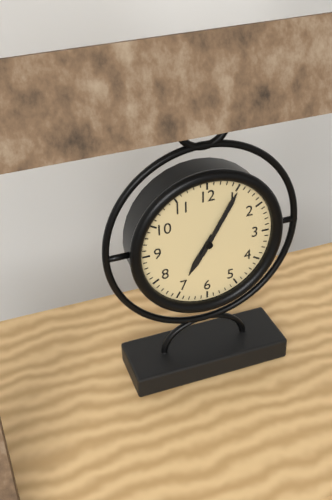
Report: **7:05**
